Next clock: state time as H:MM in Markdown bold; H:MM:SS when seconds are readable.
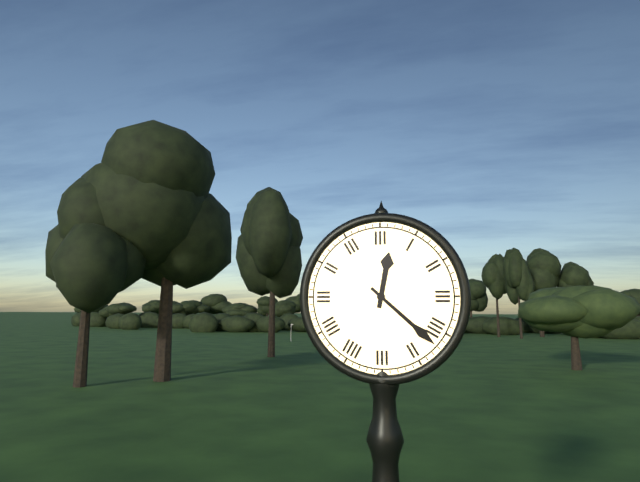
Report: **12:22**
